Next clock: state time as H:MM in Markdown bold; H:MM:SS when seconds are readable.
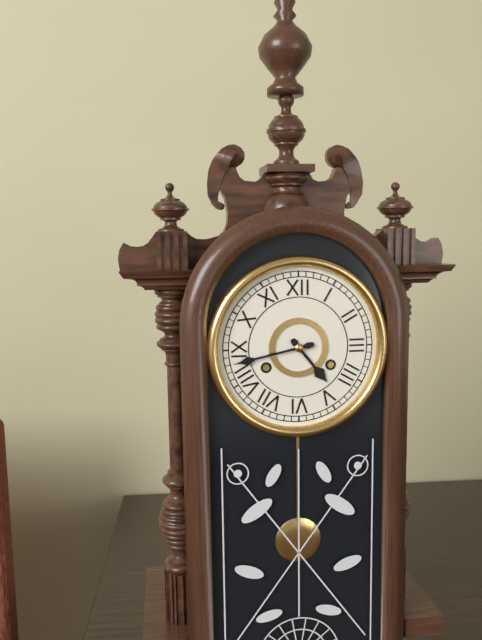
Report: **4:43**
